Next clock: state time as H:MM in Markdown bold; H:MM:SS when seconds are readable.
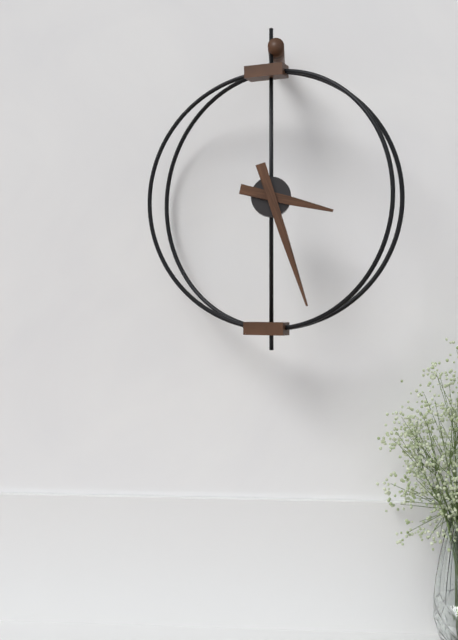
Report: **3:27**
